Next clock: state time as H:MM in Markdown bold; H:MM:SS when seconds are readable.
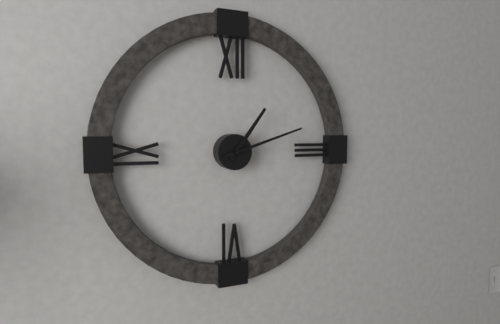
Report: **1:12**
